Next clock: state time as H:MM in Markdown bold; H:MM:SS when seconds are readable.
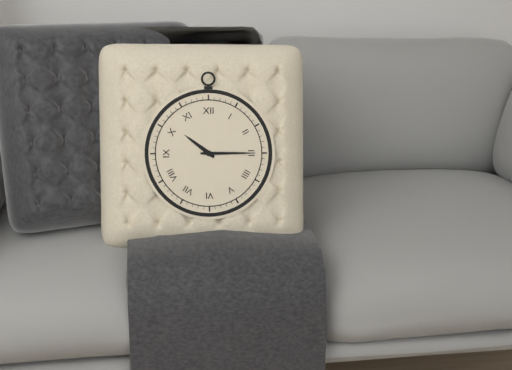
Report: **10:15**
